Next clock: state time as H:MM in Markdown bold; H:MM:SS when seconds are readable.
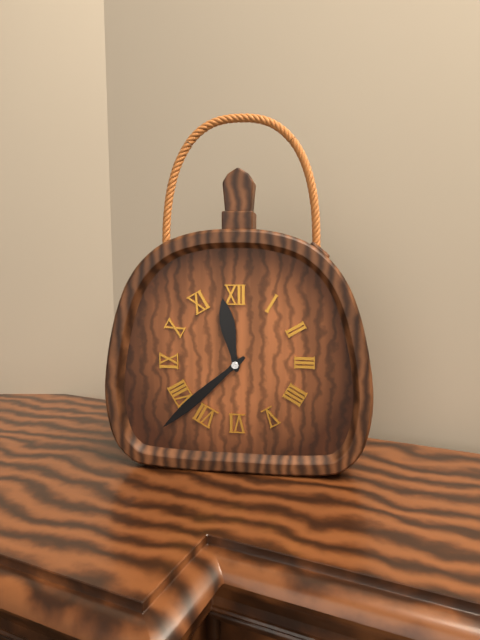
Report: **11:38**
